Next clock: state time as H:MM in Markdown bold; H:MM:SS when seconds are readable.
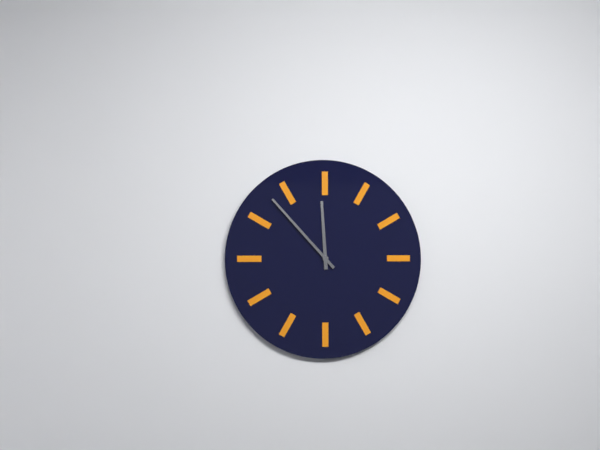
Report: **11:53**
